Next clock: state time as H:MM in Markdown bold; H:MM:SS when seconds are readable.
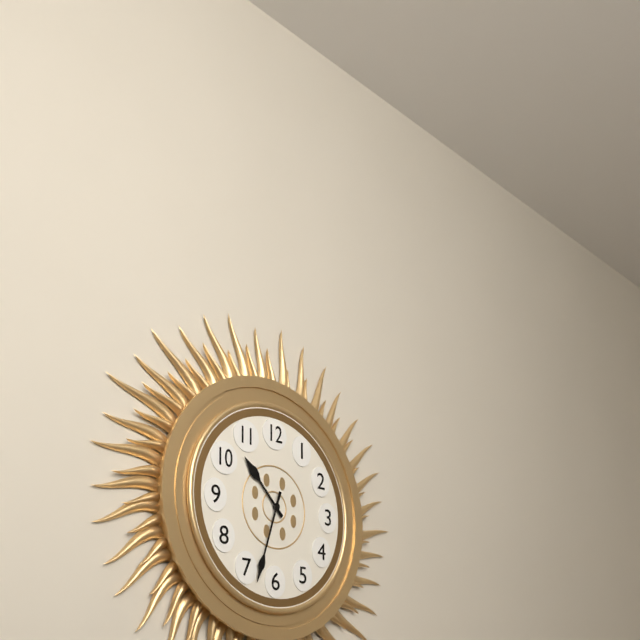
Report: **10:33**
